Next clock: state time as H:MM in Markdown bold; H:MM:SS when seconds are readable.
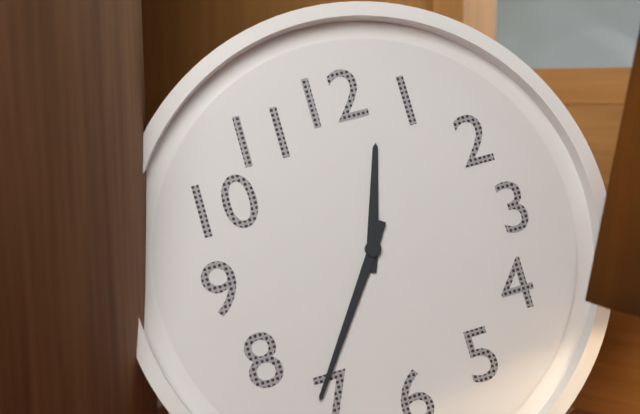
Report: **12:36**
